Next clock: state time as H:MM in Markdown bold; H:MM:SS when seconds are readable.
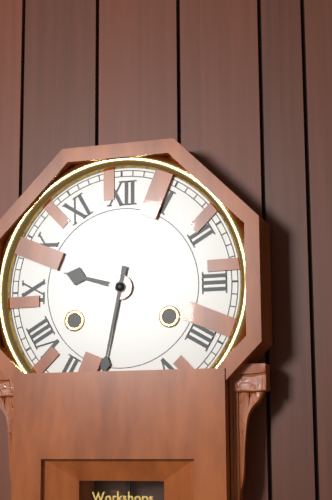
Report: **9:32**
